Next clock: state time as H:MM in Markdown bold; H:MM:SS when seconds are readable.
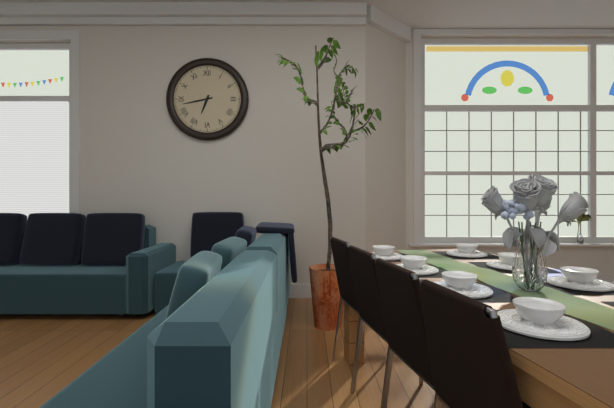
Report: **6:43**
